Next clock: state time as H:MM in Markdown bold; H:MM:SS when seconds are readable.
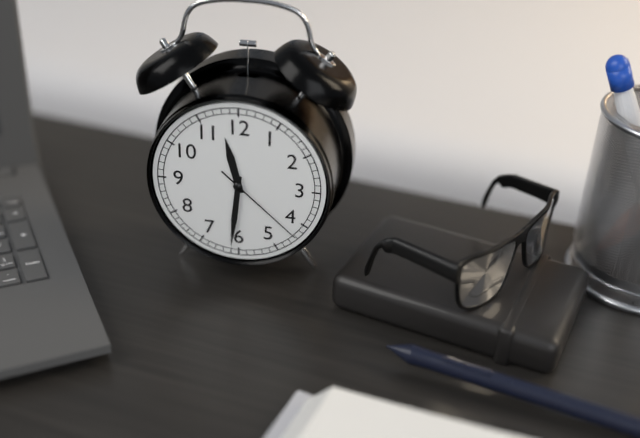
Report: **11:31:22**
